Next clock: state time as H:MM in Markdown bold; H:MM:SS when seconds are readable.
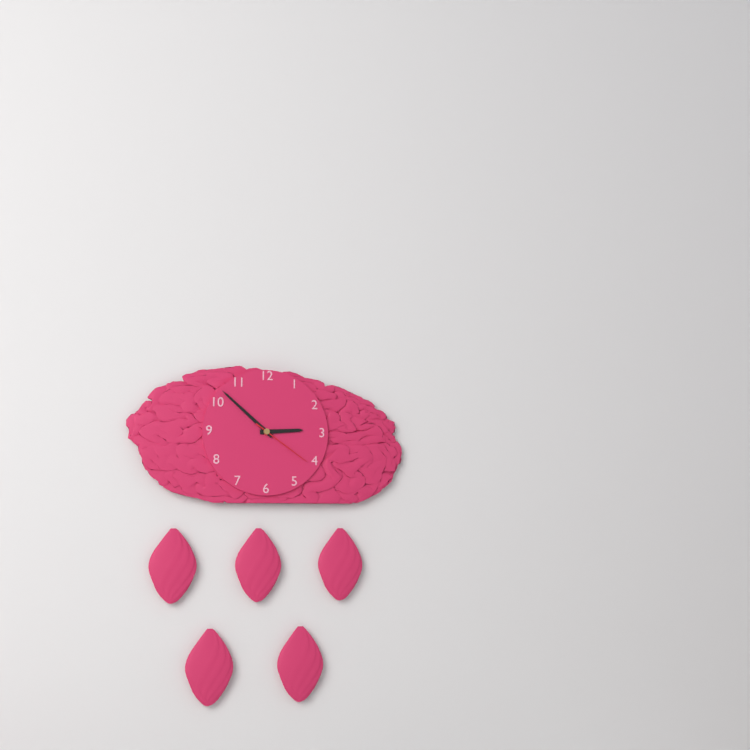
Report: **2:52:21**
